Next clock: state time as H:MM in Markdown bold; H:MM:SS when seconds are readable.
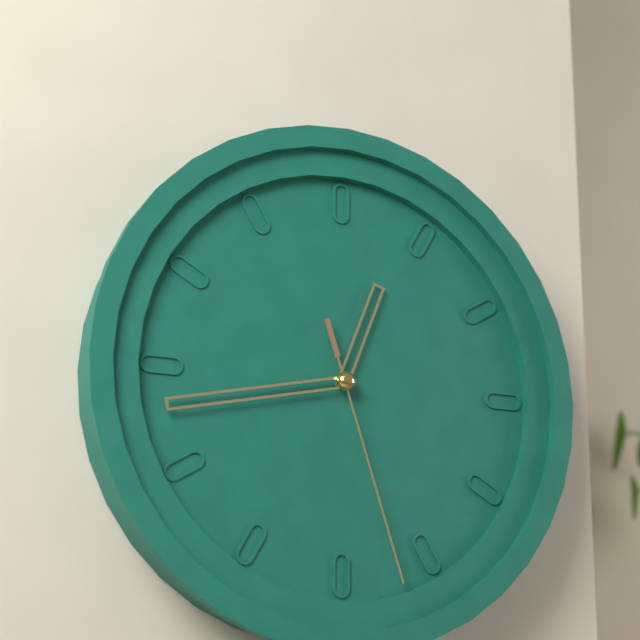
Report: **12:43:27**
